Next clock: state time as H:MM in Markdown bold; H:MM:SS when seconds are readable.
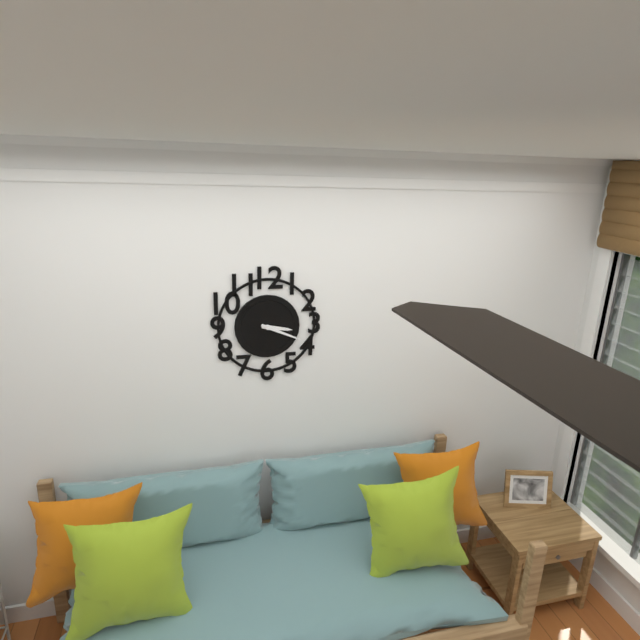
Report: **3:19**
